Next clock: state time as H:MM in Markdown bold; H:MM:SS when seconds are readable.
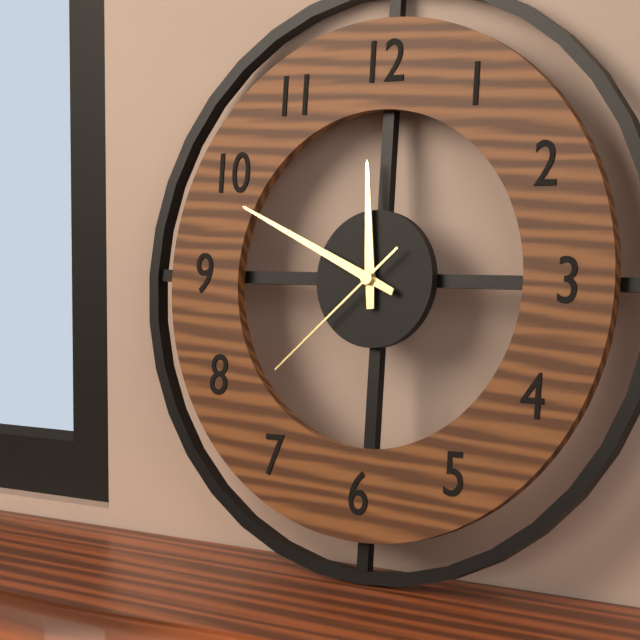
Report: **11:49:38**
